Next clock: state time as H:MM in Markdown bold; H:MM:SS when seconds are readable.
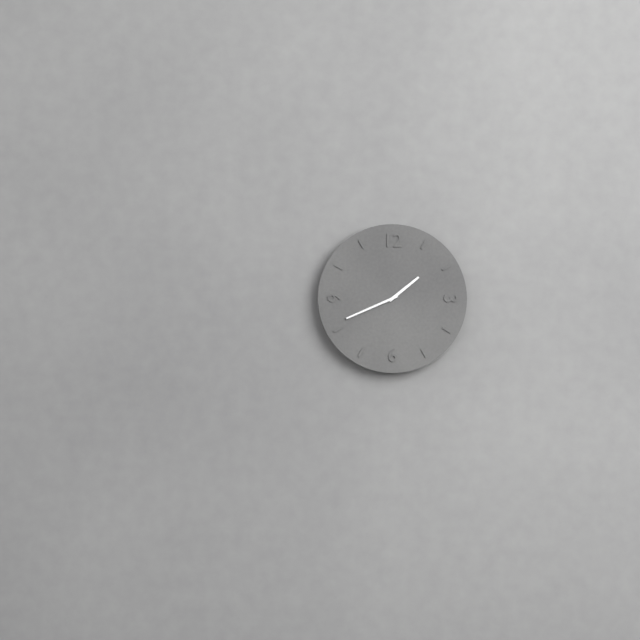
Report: **1:41**
